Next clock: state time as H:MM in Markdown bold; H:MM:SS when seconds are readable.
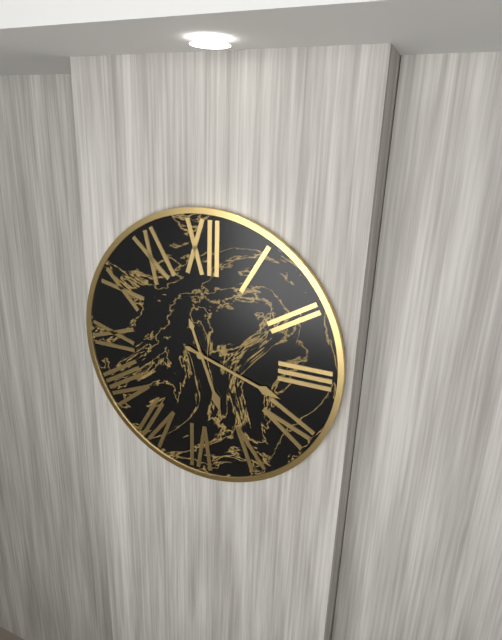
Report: **5:18**
